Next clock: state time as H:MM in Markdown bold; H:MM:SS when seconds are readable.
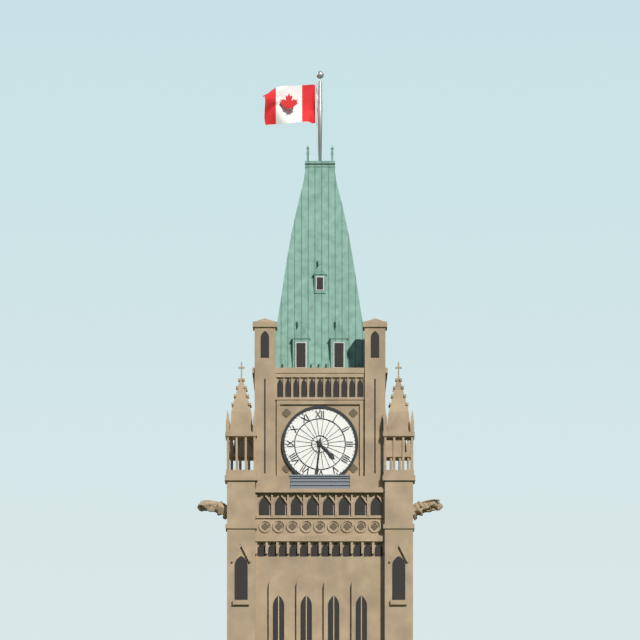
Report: **4:31**
